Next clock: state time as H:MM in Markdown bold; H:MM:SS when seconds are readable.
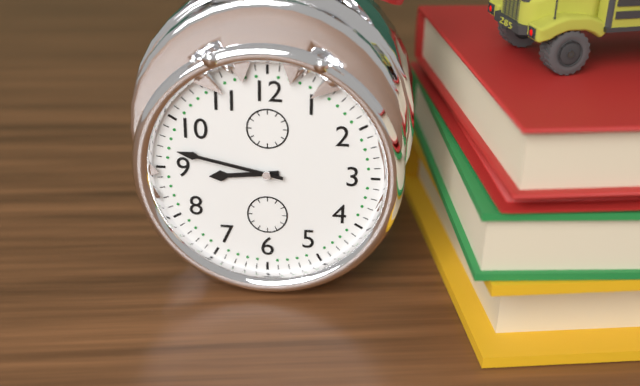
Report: **8:47**
